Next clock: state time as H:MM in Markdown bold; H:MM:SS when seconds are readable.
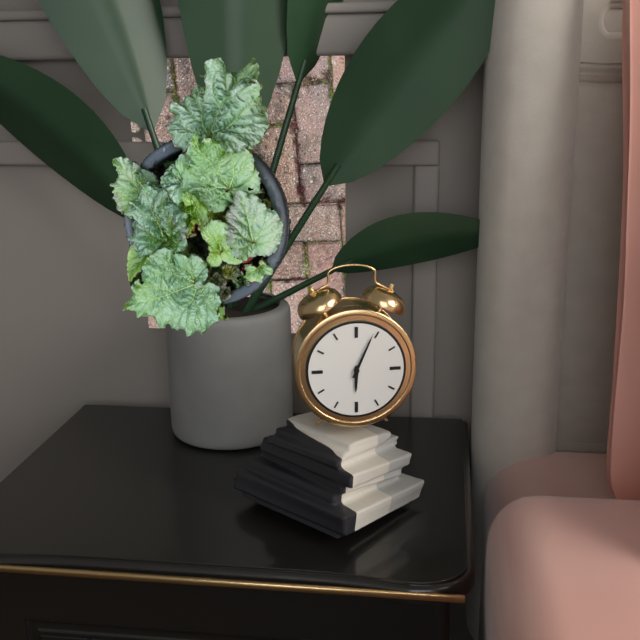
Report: **6:04**
